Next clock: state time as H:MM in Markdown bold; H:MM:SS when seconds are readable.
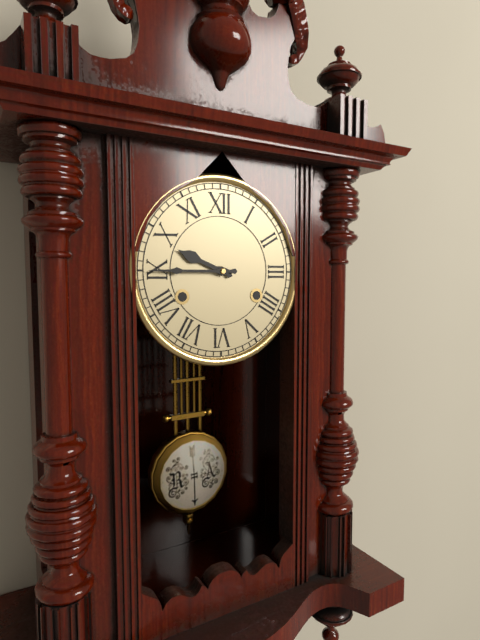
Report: **9:45**
